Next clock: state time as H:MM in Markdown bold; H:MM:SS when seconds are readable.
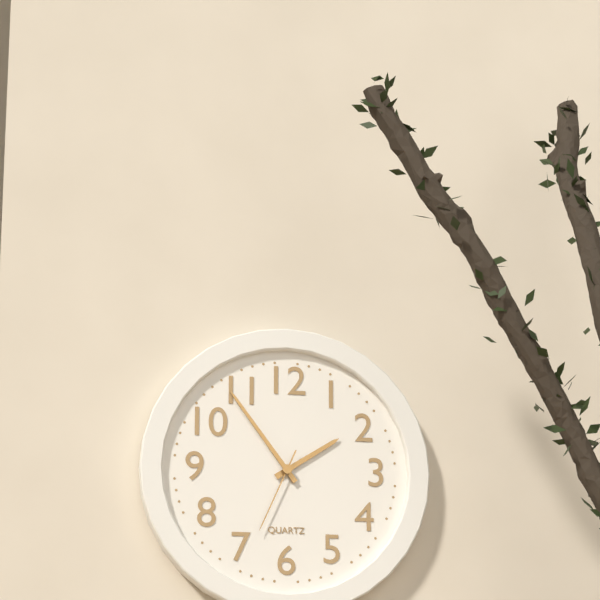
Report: **1:54:34**
